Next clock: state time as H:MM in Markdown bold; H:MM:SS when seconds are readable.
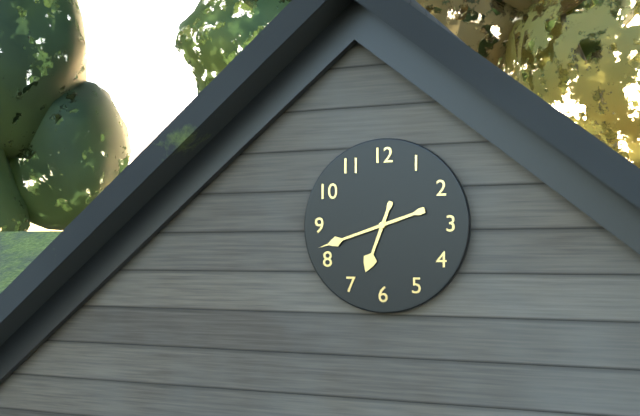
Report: **6:42**
